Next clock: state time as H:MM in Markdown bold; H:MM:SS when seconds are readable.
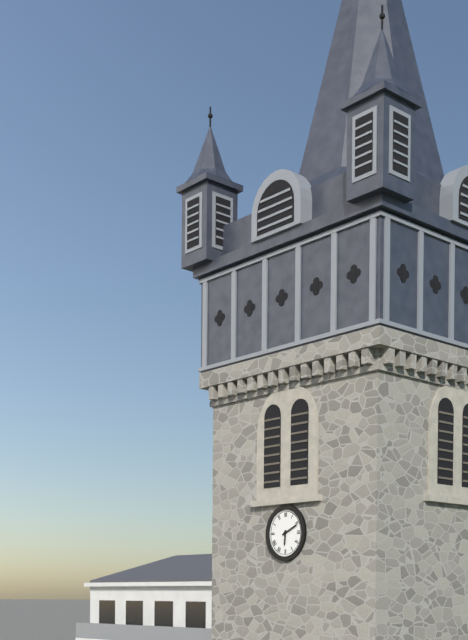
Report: **6:11**
